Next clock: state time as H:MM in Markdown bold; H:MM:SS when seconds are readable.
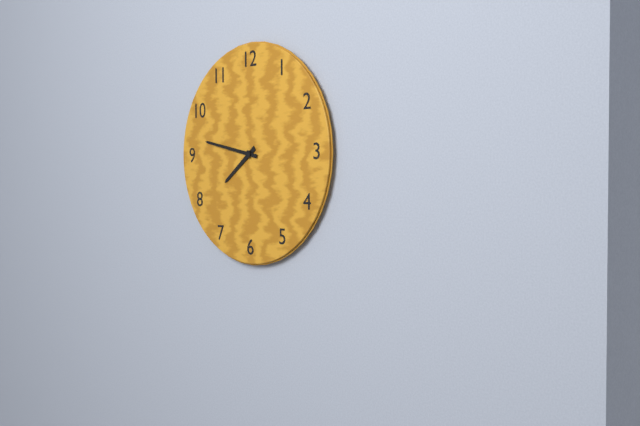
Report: **7:47**
